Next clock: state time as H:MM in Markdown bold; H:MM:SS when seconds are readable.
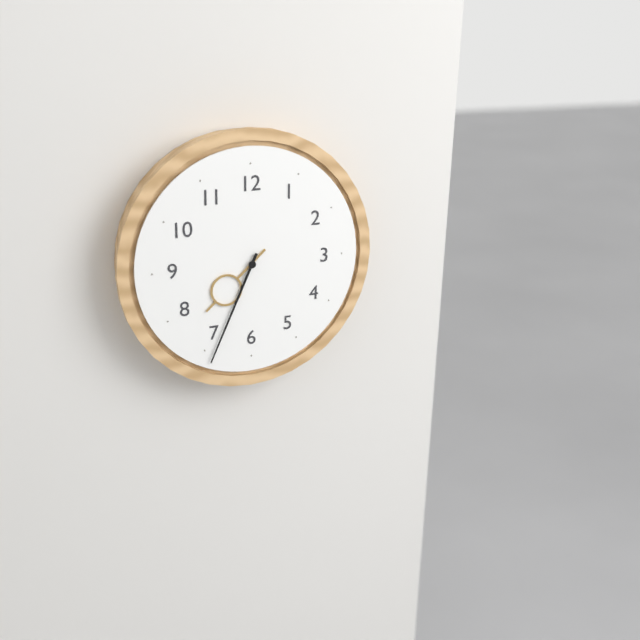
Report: **7:34**
